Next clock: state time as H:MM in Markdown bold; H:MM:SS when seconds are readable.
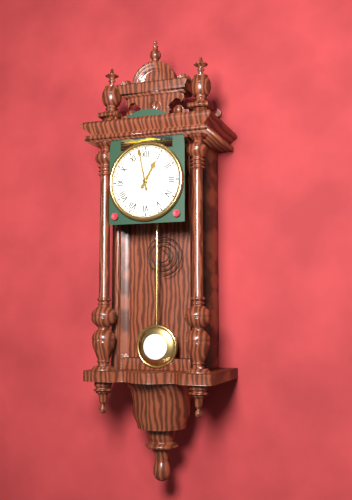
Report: **12:58**
